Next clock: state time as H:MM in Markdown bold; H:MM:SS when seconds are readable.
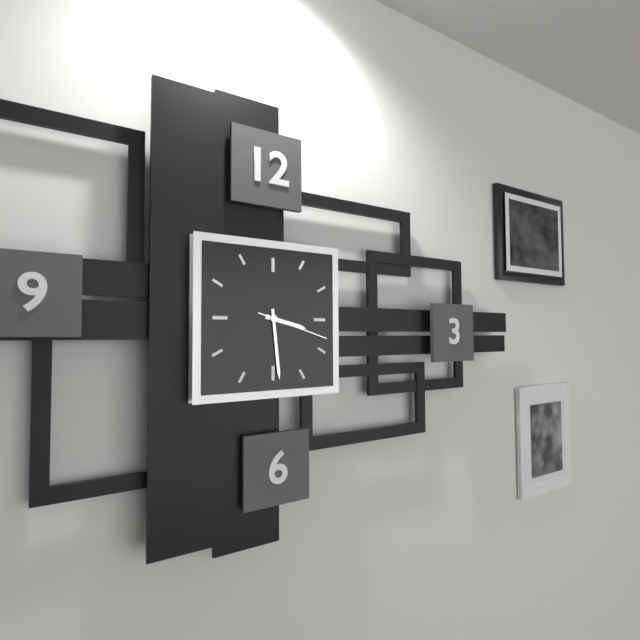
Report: **3:29:18**
